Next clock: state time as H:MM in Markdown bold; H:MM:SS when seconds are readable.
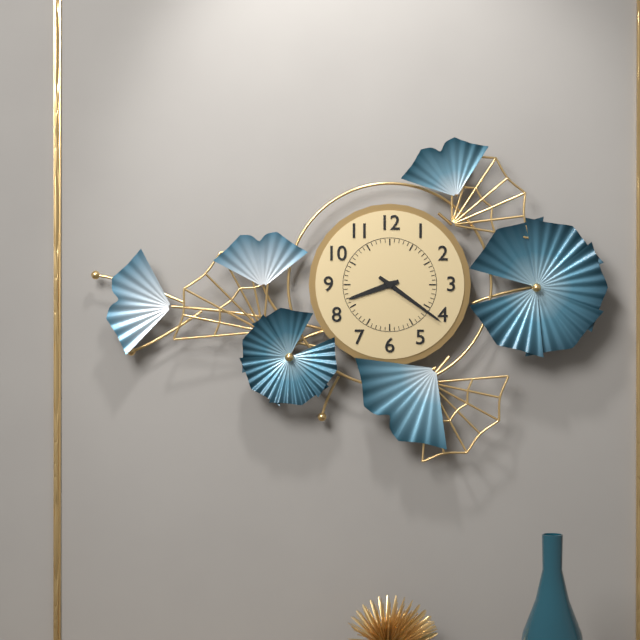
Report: **8:21**
